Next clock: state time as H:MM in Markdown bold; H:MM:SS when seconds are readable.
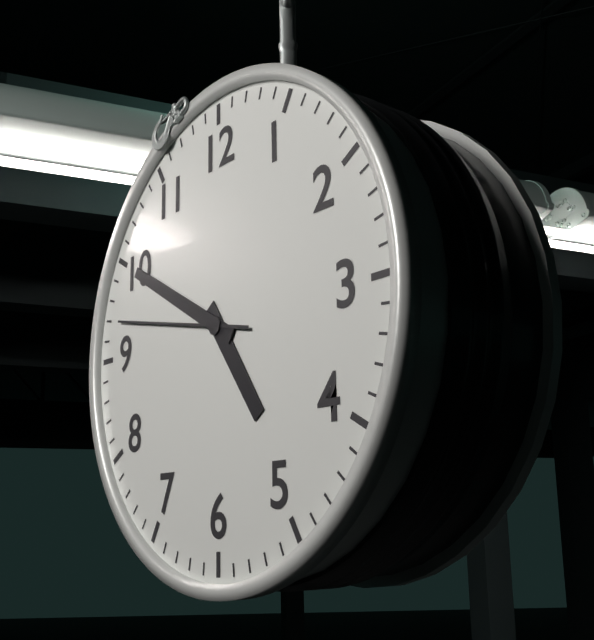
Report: **4:50:47**
